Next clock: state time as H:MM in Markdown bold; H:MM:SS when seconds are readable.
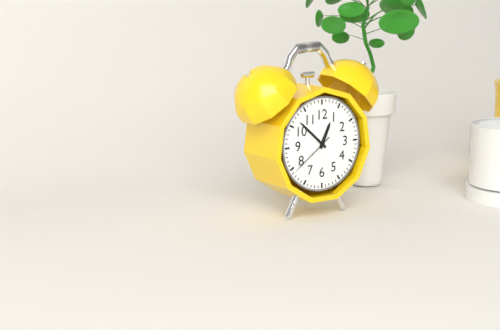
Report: **12:52**
